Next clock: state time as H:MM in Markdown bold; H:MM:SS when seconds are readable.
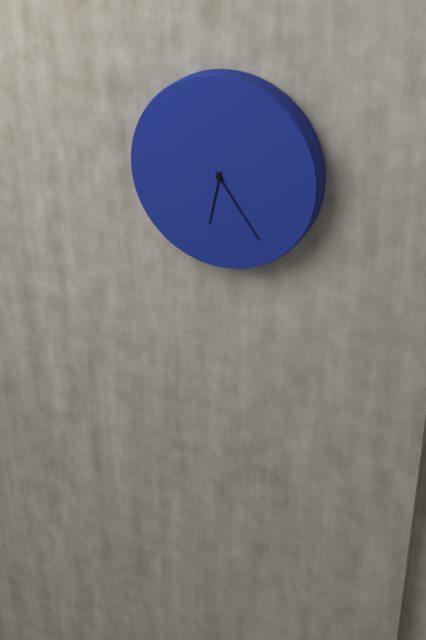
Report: **6:24**
